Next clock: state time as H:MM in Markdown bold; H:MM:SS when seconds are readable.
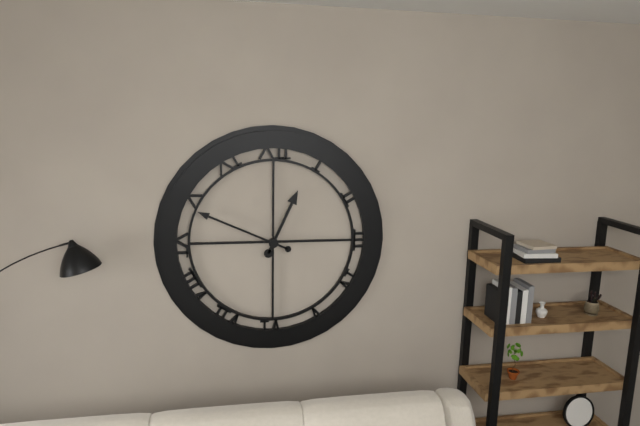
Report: **12:49**
